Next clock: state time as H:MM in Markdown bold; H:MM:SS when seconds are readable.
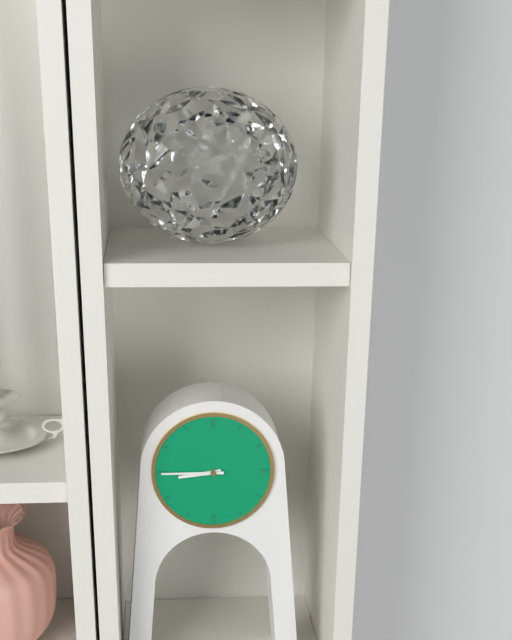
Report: **8:45**
